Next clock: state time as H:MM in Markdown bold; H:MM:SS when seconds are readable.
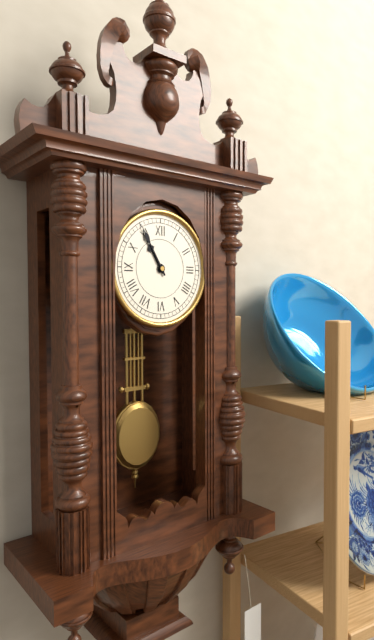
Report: **10:55**
